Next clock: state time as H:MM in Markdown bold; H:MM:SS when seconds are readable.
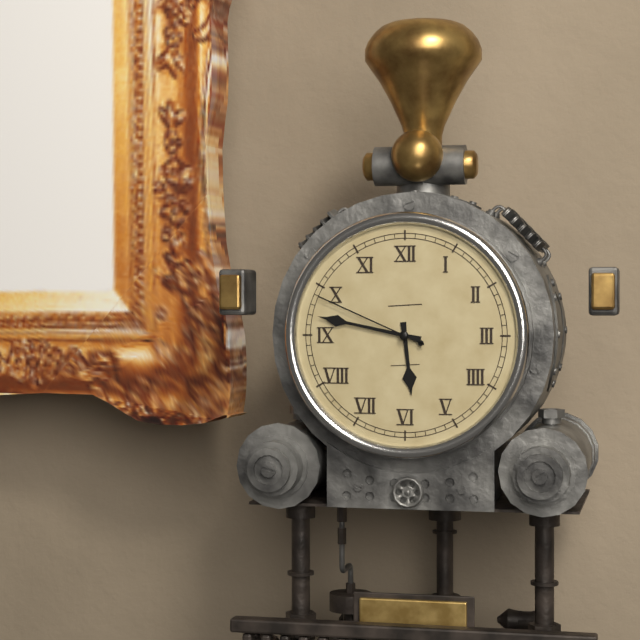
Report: **5:47:49**
